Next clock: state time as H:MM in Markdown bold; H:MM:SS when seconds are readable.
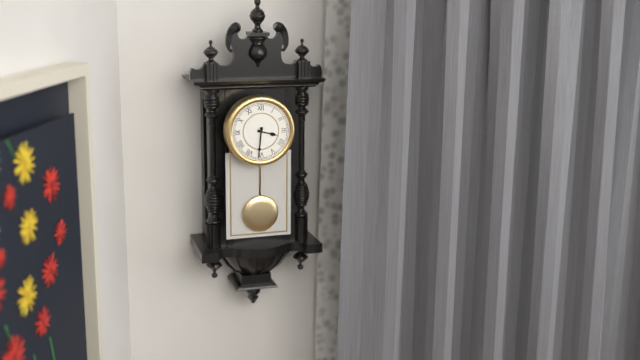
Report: **3:31**
